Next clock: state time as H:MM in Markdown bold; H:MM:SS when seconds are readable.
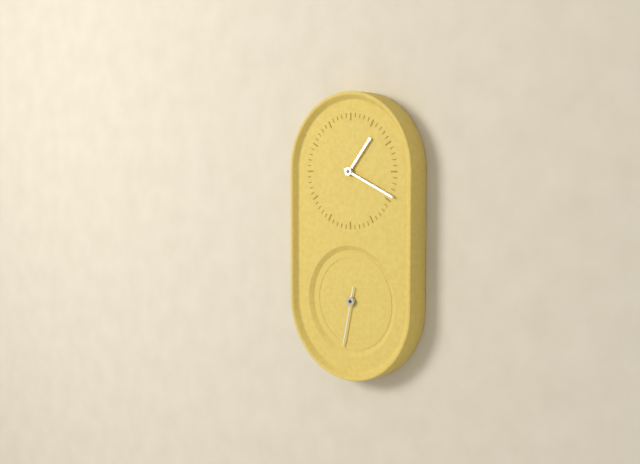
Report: **1:19:32**
